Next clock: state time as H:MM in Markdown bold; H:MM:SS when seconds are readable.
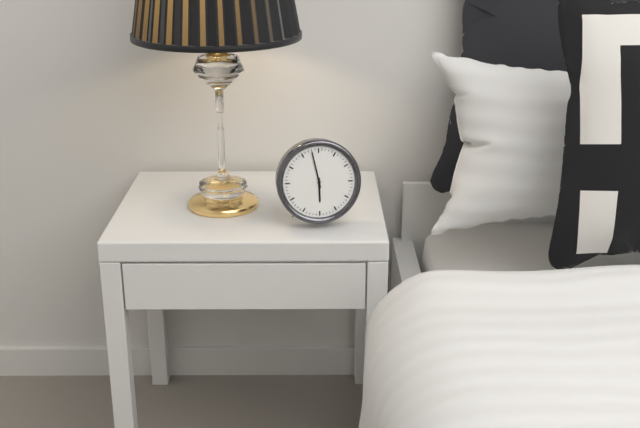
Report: **5:58**
